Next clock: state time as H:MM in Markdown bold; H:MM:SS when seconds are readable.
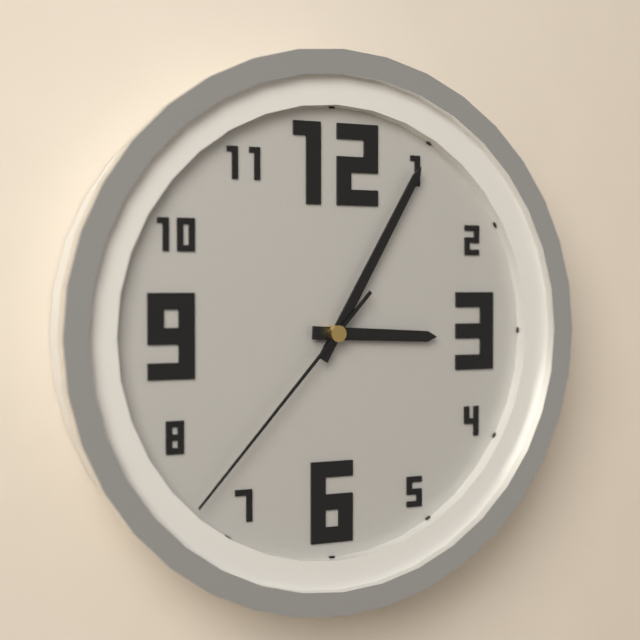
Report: **3:05:37**
